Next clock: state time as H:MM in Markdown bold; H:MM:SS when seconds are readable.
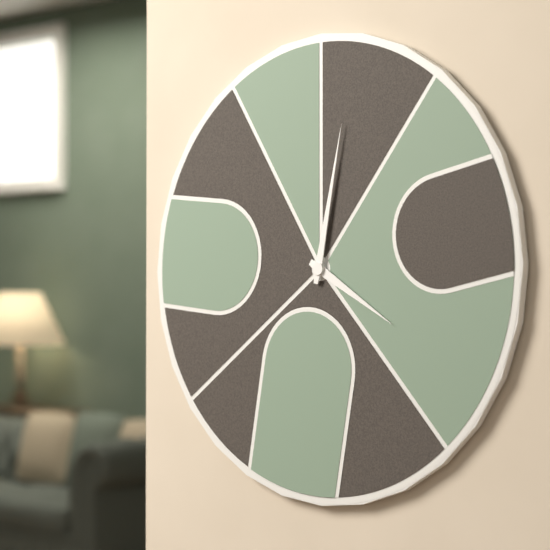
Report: **4:02**
